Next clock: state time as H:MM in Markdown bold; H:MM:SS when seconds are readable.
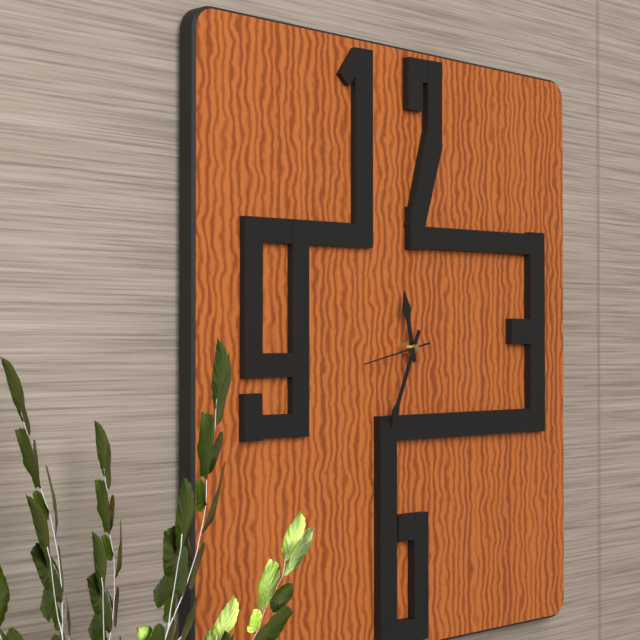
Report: **11:34**
